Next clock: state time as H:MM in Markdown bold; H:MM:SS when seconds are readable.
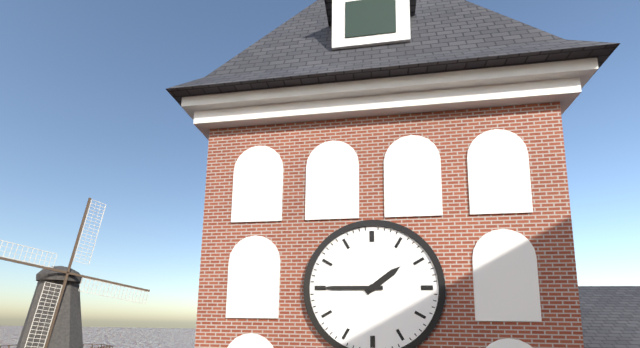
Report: **1:45**
